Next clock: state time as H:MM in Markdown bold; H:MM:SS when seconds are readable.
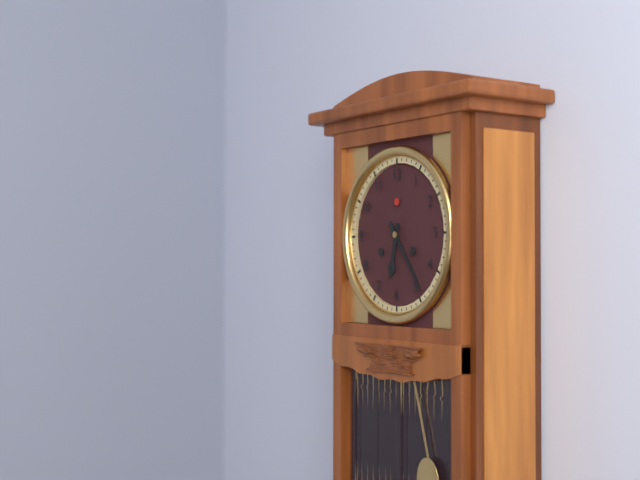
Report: **6:24**
